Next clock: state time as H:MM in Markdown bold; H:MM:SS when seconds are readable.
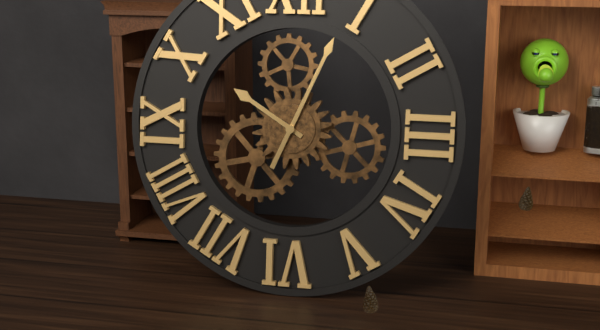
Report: **10:04**
